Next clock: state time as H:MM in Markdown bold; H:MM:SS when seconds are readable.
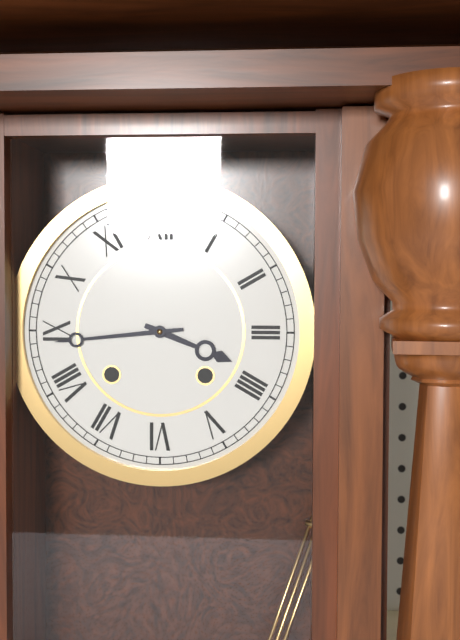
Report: **3:44**
